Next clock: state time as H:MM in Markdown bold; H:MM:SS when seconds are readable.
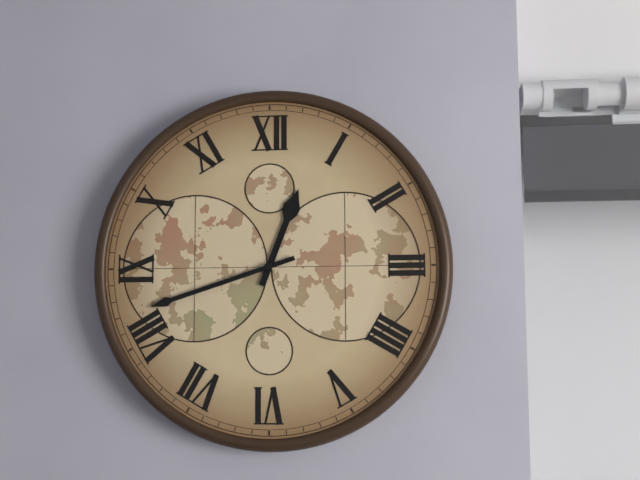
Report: **12:42**
